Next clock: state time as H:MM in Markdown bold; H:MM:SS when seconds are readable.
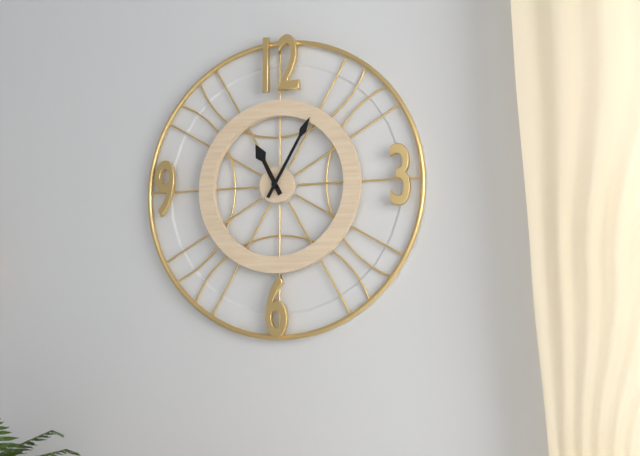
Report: **11:05**
